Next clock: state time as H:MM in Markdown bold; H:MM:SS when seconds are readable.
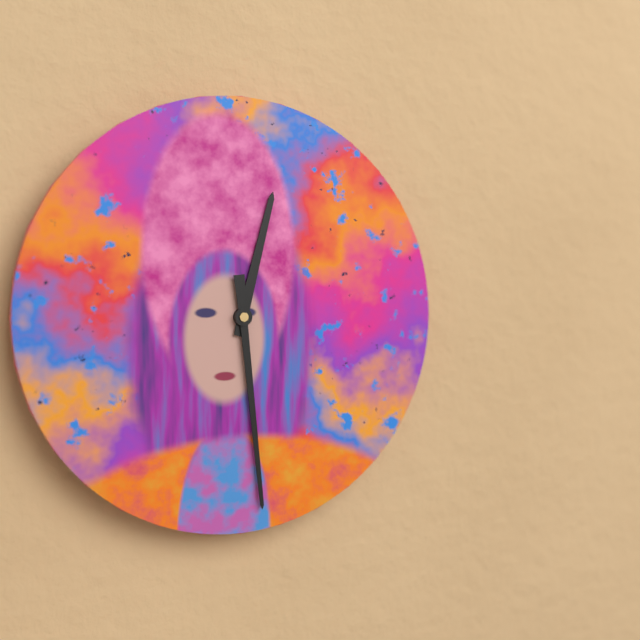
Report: **12:29**
